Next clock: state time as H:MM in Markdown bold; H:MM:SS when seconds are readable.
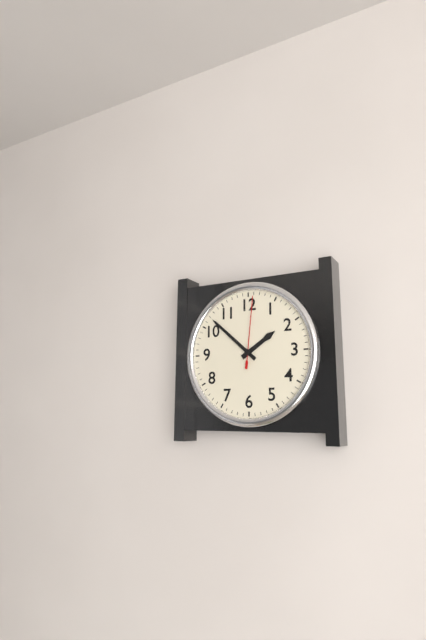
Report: **1:52:01**
